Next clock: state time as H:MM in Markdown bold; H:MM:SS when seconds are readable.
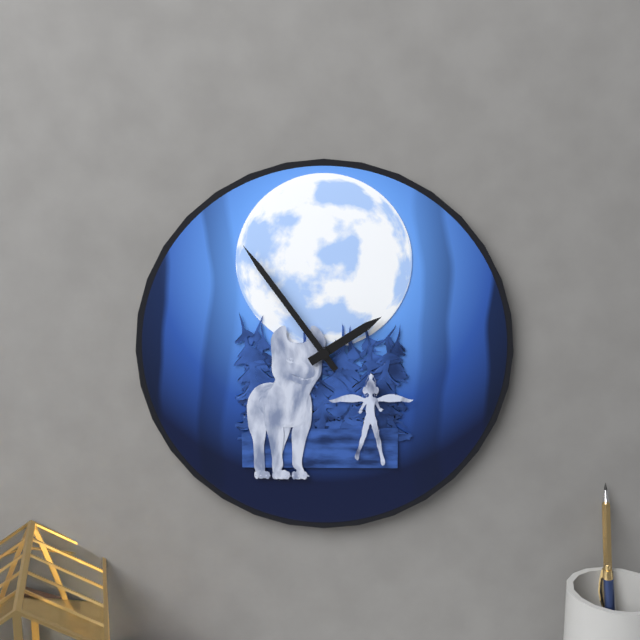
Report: **1:54**
